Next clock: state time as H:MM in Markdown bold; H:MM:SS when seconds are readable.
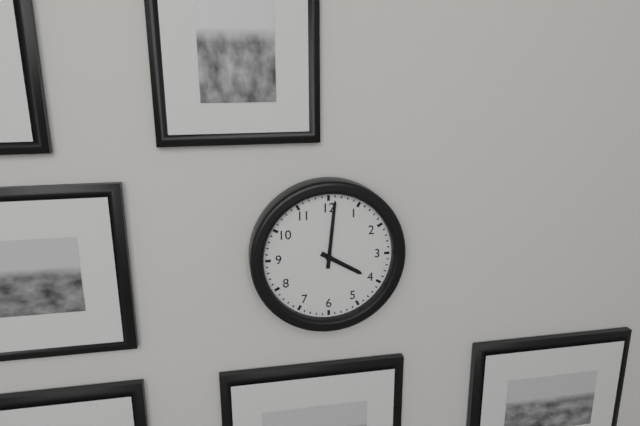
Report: **4:01**
